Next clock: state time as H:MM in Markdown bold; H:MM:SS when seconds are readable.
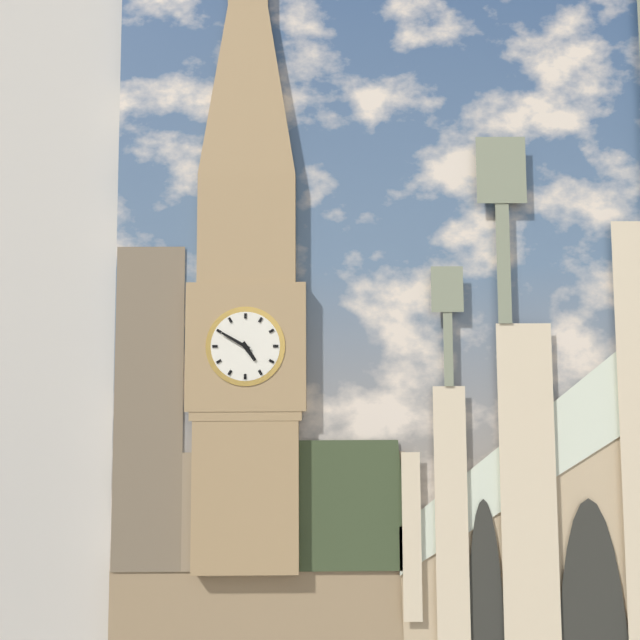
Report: **4:50**
